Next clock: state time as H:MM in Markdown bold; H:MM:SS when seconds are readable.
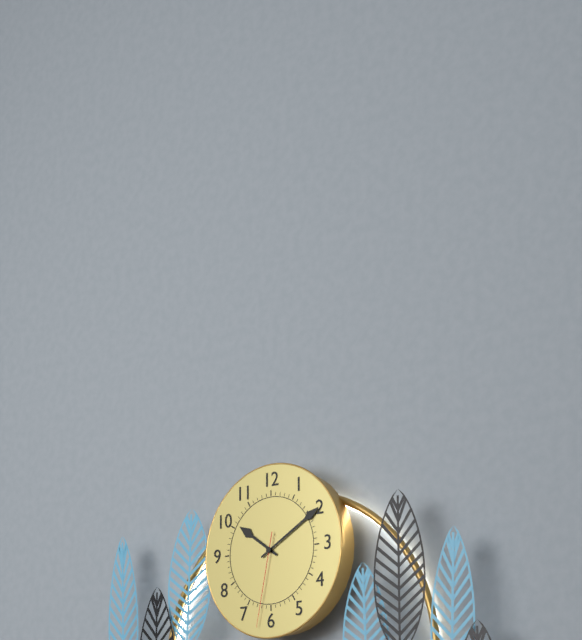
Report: **10:10:32**
